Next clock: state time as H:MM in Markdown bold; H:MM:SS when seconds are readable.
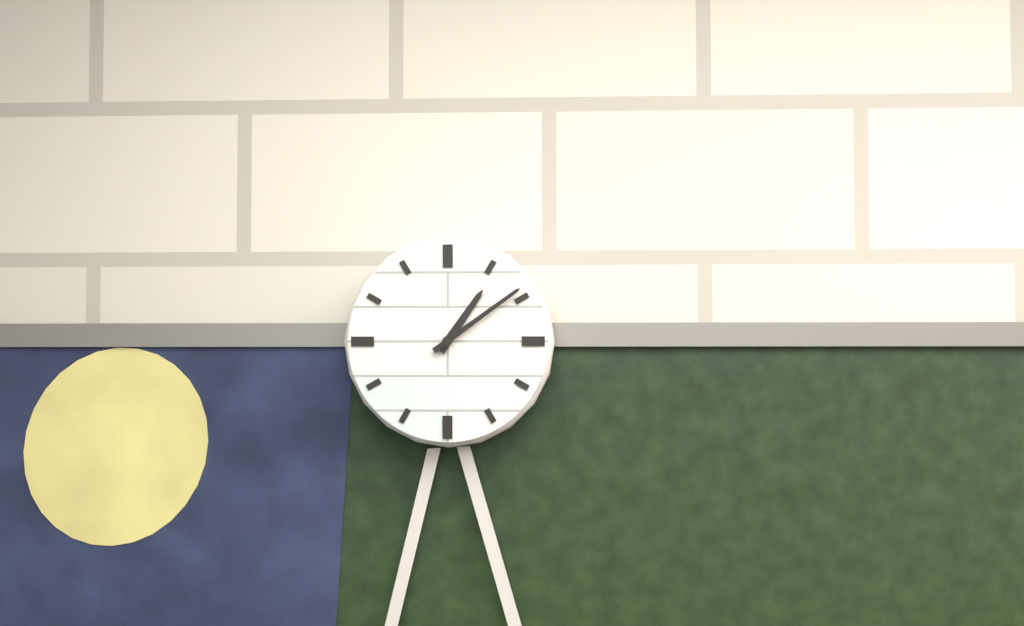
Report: **1:09**
